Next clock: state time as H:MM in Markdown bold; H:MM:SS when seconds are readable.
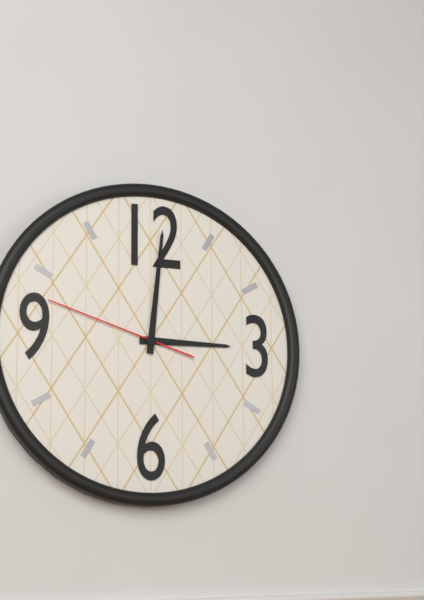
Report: **3:01:48**
